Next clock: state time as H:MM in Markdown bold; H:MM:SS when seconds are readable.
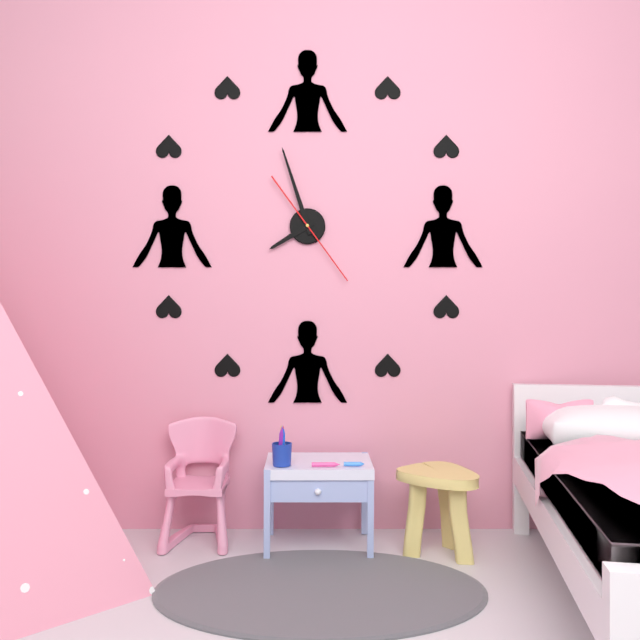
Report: **7:57:24**
